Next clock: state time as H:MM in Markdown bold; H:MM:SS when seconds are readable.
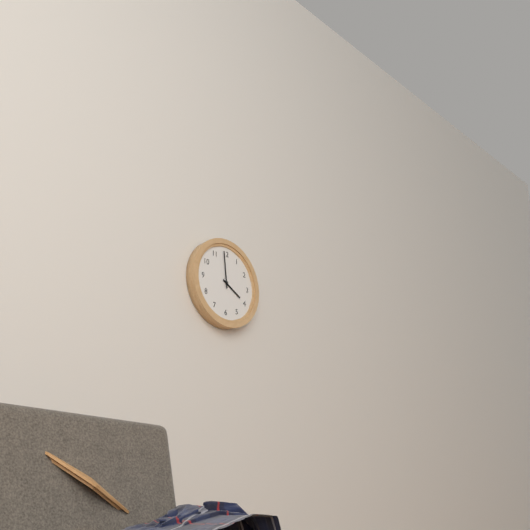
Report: **3:59**
